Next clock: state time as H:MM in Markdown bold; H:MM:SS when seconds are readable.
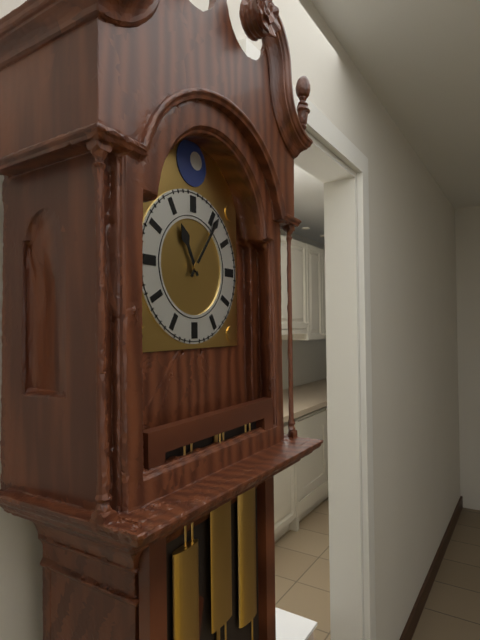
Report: **11:06**
